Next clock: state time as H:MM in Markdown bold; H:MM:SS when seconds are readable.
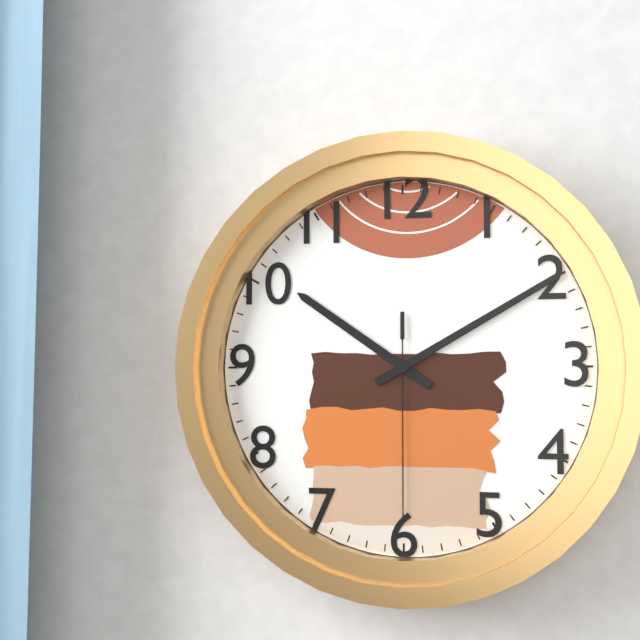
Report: **10:10:30**
